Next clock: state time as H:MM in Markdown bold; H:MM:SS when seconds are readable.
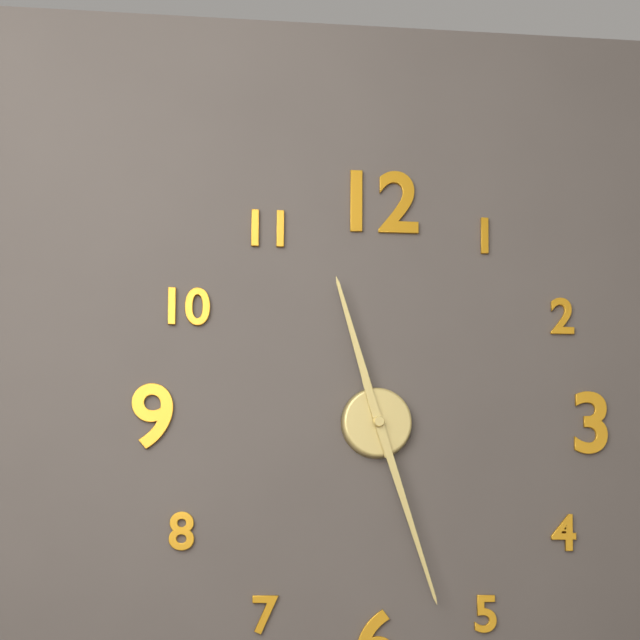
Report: **11:27**
